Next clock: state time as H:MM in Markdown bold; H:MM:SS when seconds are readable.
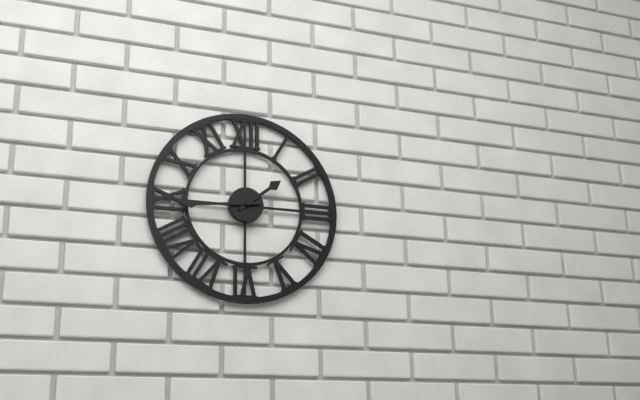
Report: **1:44**
